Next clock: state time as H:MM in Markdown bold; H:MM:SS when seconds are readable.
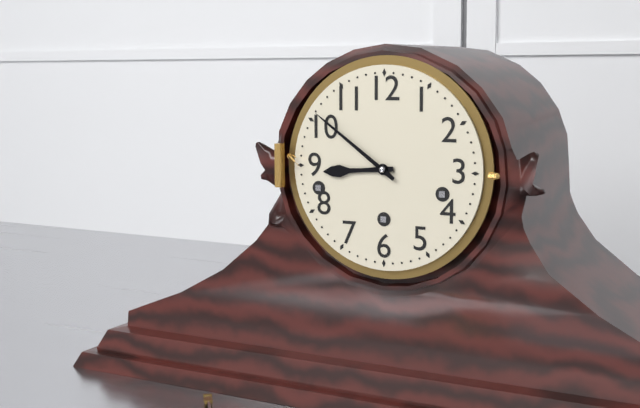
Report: **8:51**
